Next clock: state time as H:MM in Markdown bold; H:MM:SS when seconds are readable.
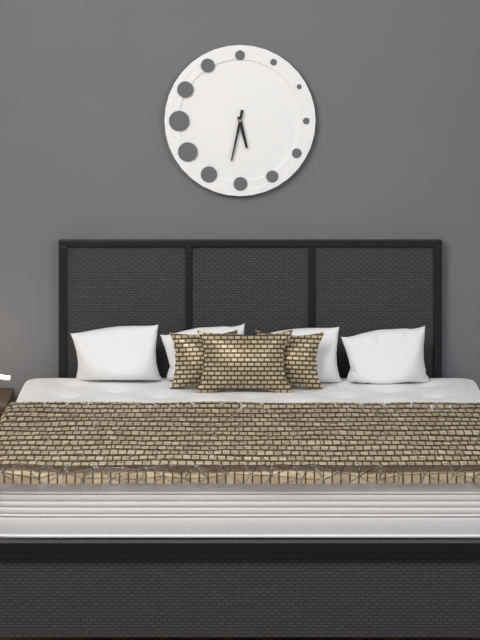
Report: **5:32**
